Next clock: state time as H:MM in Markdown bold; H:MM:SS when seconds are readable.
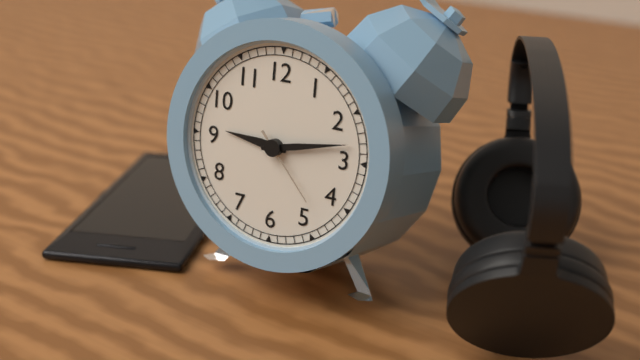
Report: **9:13:23**
